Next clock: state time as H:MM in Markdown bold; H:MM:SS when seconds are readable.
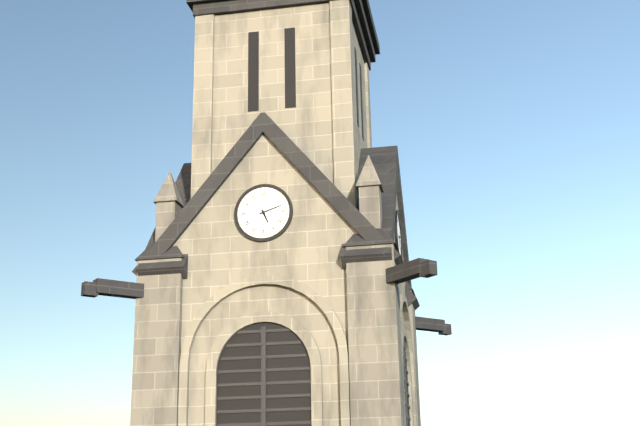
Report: **5:12**
